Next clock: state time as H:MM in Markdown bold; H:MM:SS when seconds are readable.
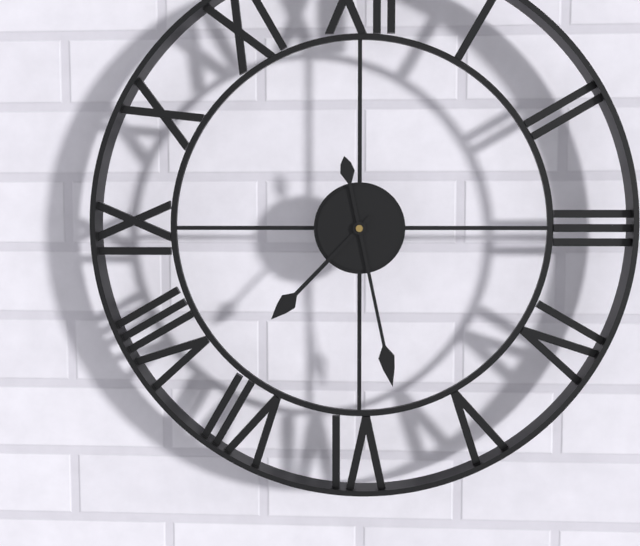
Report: **7:28**
